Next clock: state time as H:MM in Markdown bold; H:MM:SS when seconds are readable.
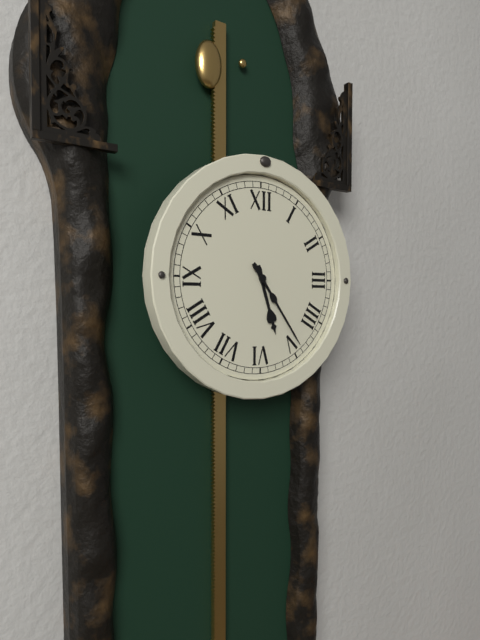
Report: **5:24**
